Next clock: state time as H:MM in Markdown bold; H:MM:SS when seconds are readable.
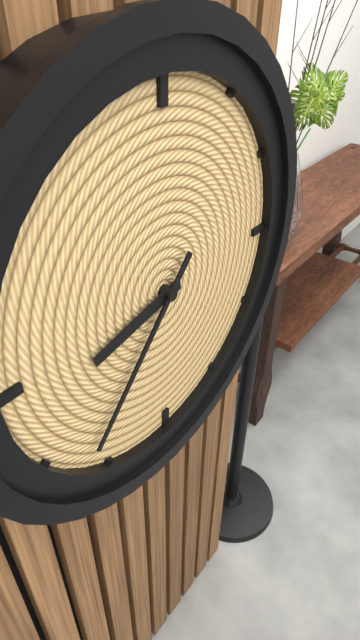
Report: **8:37**
